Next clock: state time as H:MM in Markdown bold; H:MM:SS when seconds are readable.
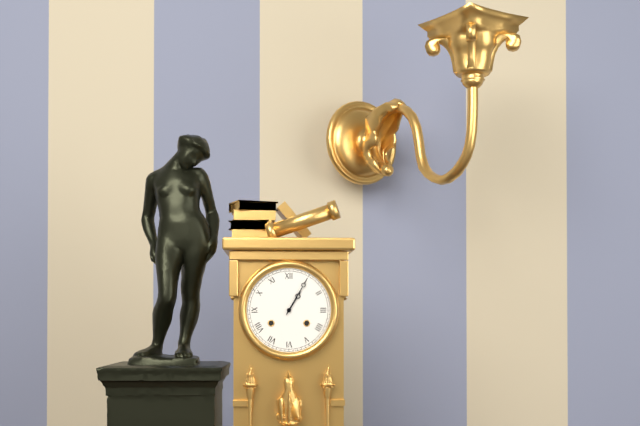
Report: **1:05**
